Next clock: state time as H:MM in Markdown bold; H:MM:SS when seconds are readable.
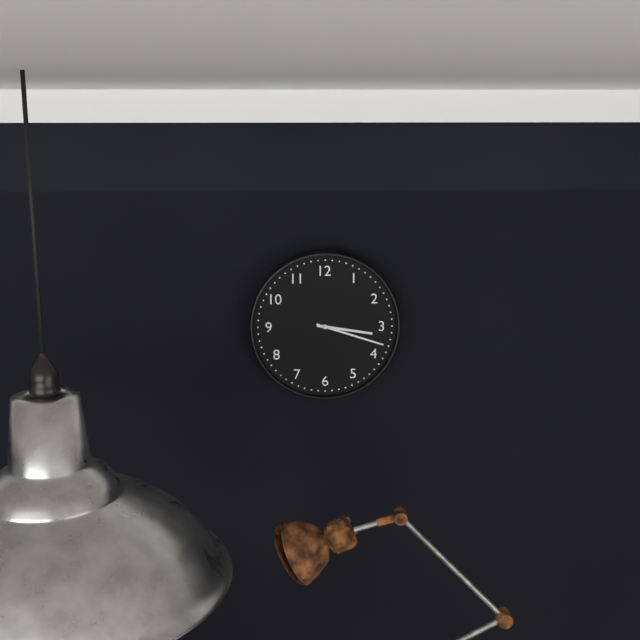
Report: **3:18**
